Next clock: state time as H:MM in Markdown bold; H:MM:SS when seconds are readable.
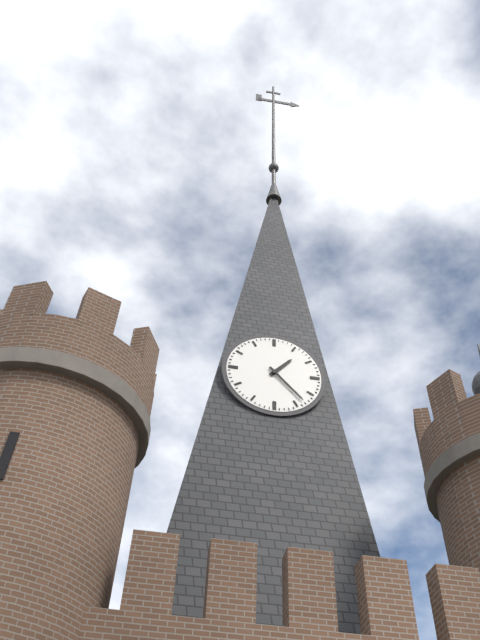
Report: **1:23**
